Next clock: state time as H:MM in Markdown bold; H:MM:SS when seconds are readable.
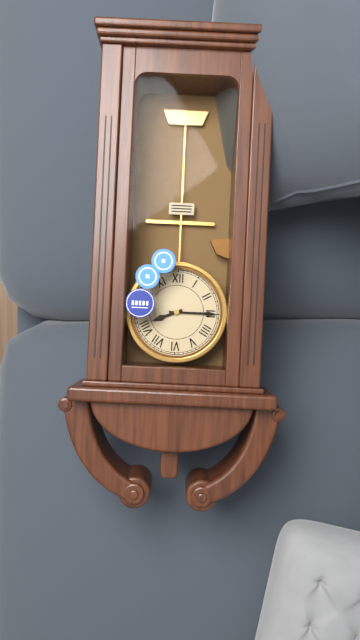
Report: **8:15**
